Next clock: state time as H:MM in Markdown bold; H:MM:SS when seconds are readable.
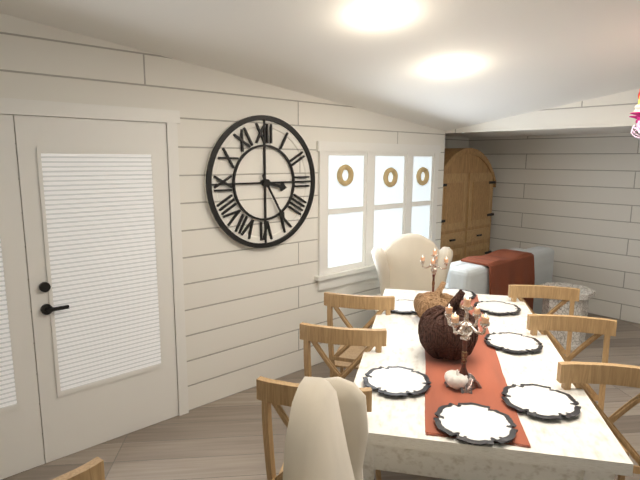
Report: **3:25**
